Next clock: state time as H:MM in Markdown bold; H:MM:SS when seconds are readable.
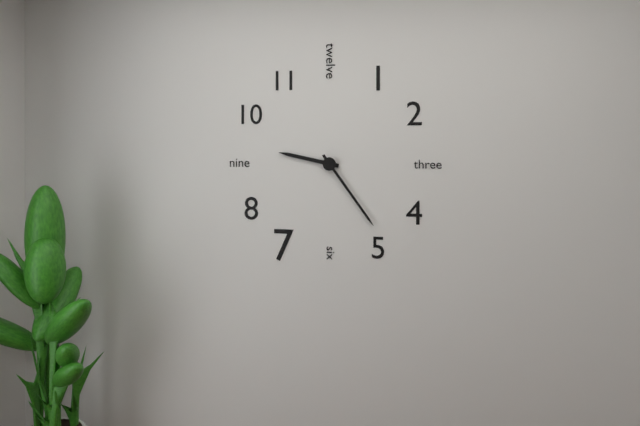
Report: **9:24**
